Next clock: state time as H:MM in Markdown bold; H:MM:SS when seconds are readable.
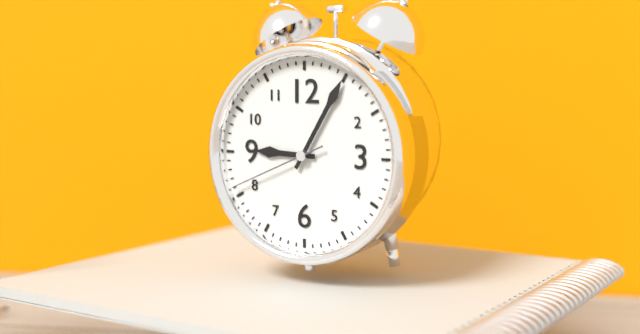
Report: **9:05:41**
